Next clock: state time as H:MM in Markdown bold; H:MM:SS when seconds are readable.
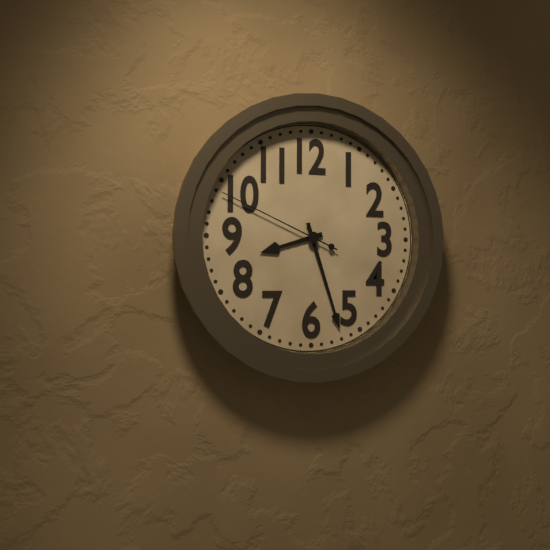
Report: **8:27:49**
